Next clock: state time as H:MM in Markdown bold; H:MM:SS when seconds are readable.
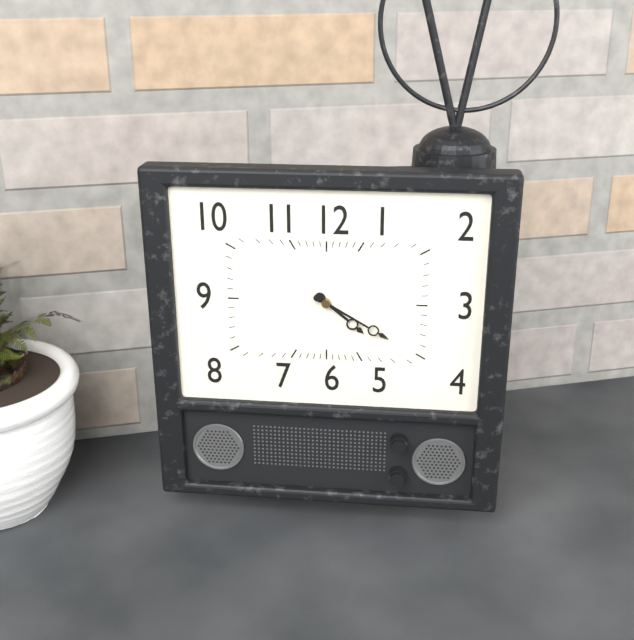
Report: **4:20**
